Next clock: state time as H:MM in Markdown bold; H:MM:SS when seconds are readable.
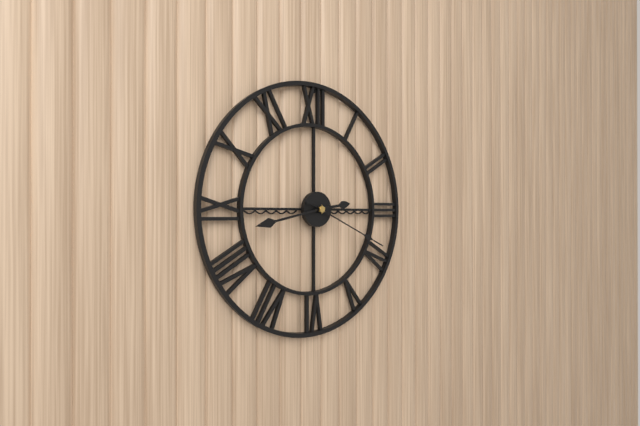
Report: **2:43:19**
